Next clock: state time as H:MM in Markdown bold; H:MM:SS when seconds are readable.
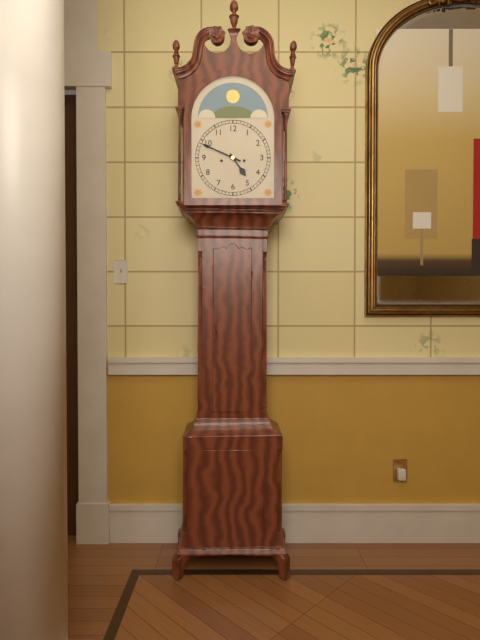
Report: **4:49**
